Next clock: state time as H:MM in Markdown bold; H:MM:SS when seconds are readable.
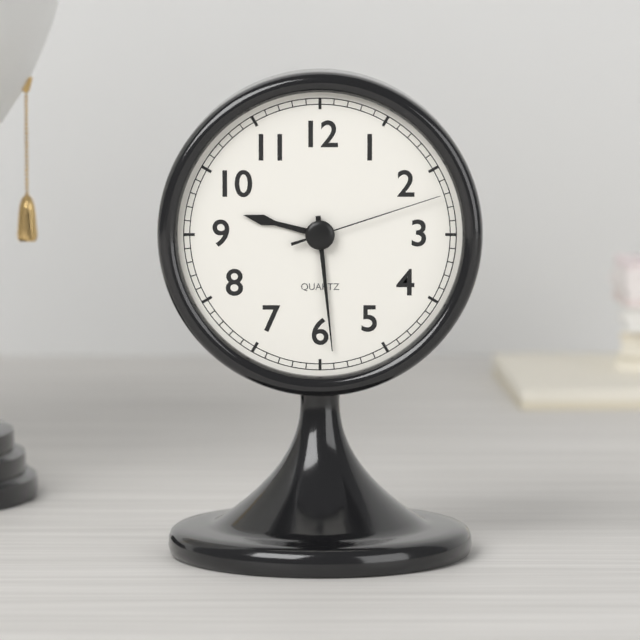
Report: **9:29:12**
